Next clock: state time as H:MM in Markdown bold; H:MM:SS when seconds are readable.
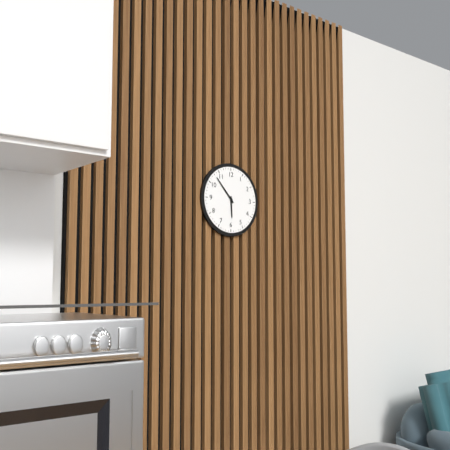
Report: **5:53**
